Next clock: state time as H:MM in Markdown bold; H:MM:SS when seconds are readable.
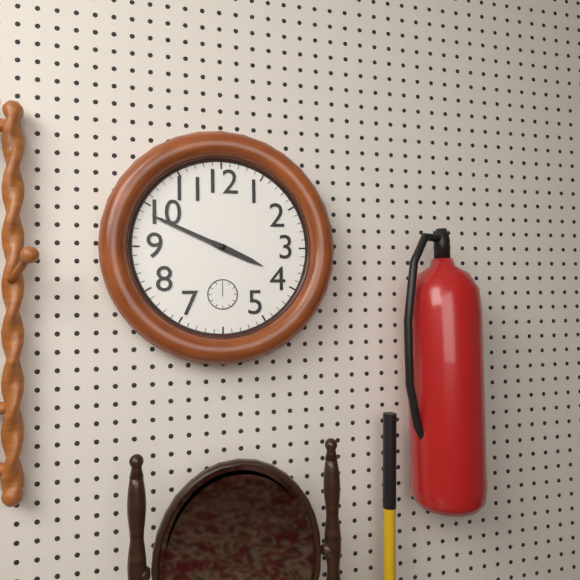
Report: **3:49**
